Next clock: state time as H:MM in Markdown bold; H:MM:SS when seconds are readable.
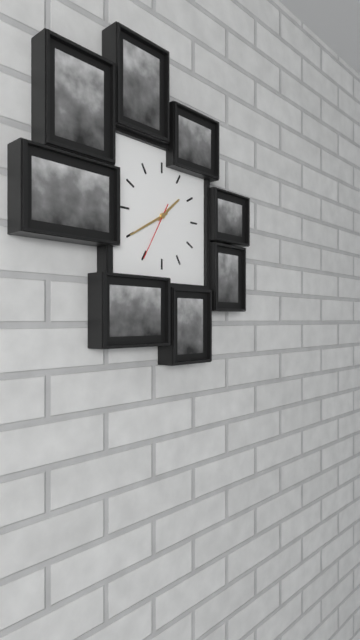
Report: **1:40:35**
